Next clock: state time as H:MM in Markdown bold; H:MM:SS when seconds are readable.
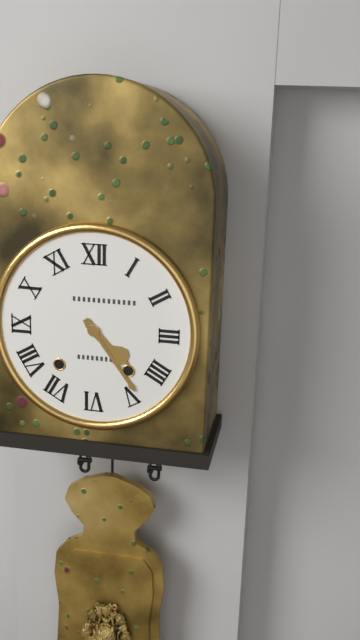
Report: **4:24**
